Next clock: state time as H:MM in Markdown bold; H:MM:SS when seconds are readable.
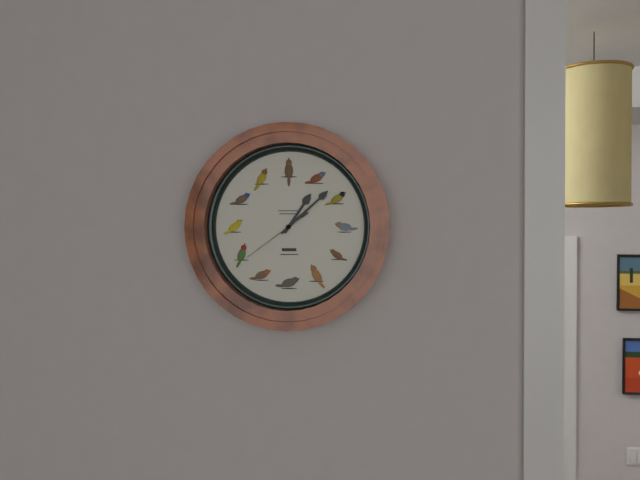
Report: **1:08:39**
